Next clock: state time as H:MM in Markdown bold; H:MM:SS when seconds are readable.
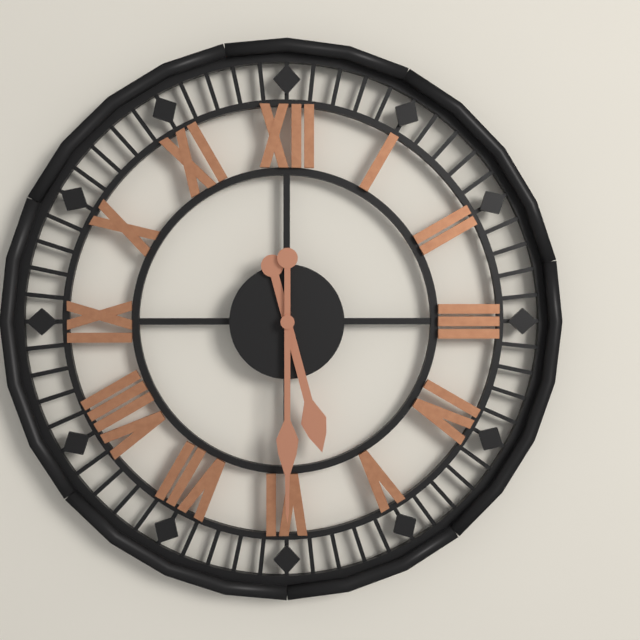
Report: **5:30**
